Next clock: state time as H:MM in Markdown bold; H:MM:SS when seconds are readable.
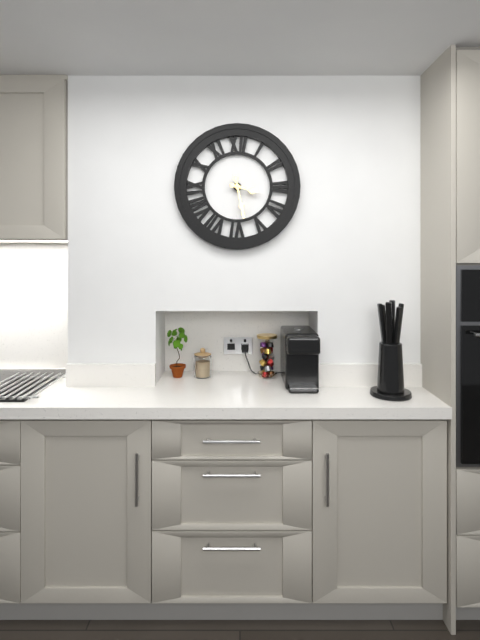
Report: **3:28**
